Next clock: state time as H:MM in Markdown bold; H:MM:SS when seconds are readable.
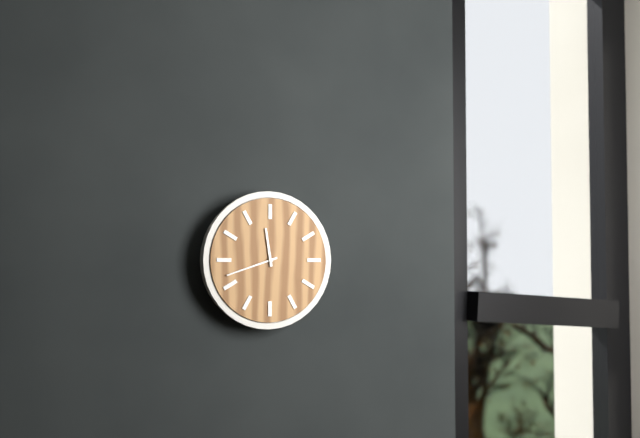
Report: **11:42**
